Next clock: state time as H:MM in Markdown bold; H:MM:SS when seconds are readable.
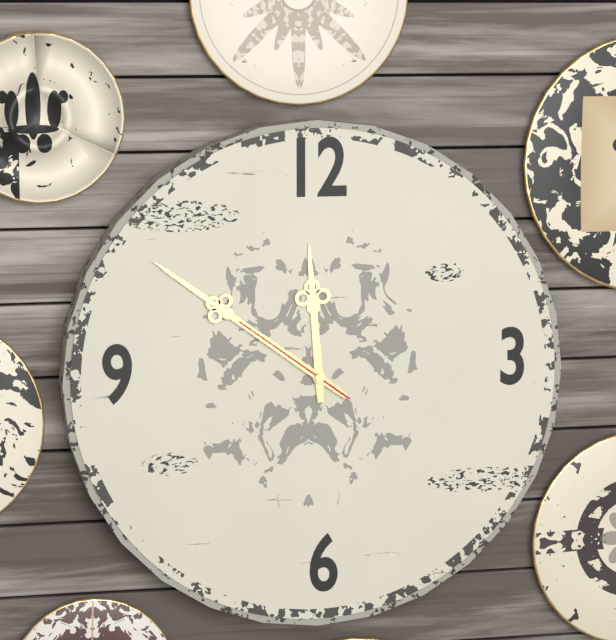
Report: **11:51:51**
